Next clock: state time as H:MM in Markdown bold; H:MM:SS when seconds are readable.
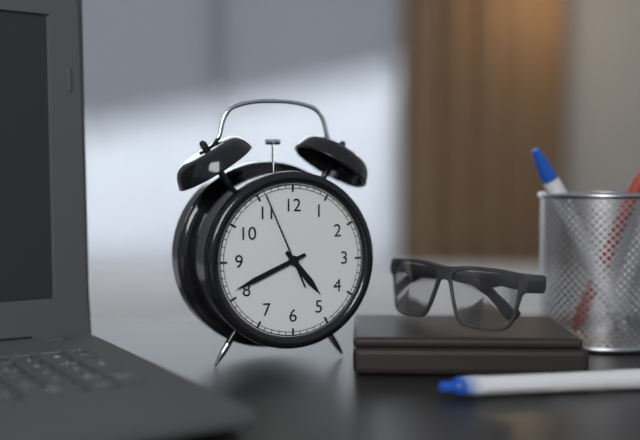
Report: **4:41:56**
